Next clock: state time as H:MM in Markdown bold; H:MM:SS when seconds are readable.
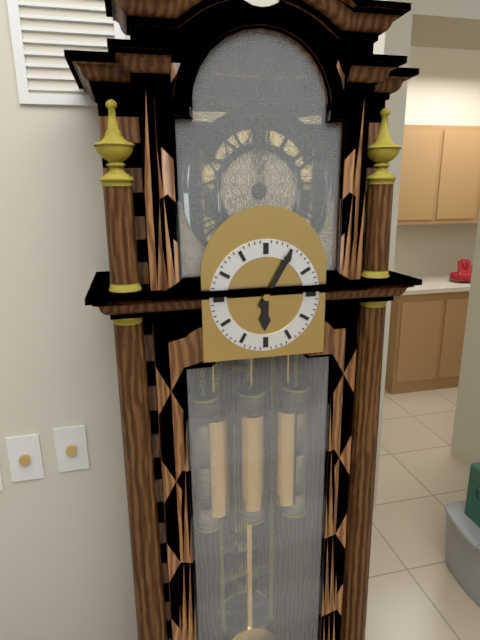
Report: **6:05**
